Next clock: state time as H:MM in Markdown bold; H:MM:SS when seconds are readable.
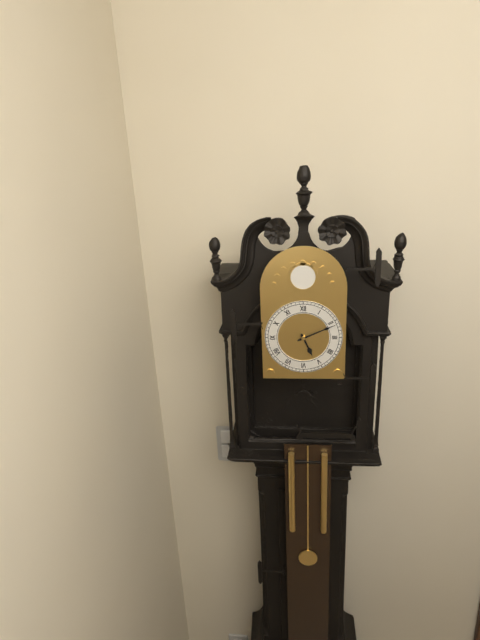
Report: **5:11**
